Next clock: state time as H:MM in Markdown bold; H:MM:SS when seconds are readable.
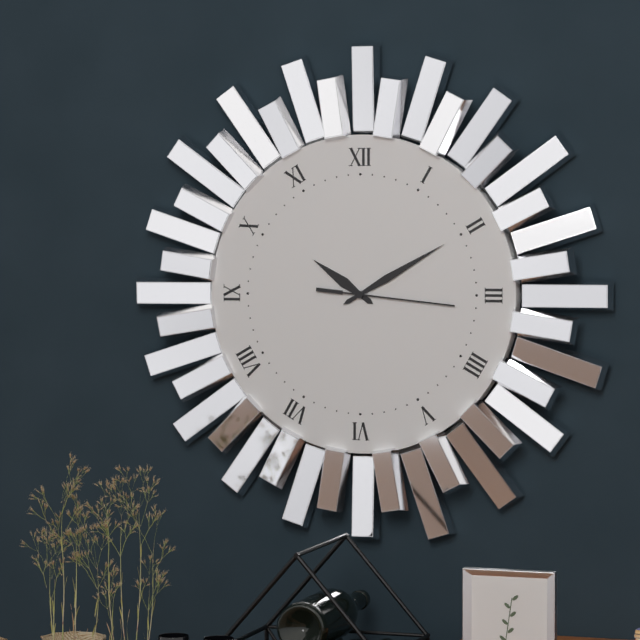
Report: **10:10:16**
